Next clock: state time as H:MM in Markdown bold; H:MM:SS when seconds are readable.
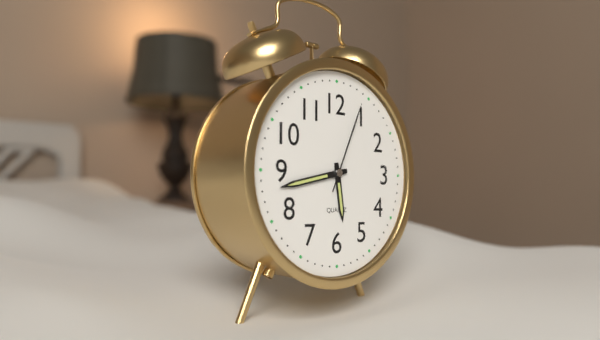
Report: **5:43:04**
